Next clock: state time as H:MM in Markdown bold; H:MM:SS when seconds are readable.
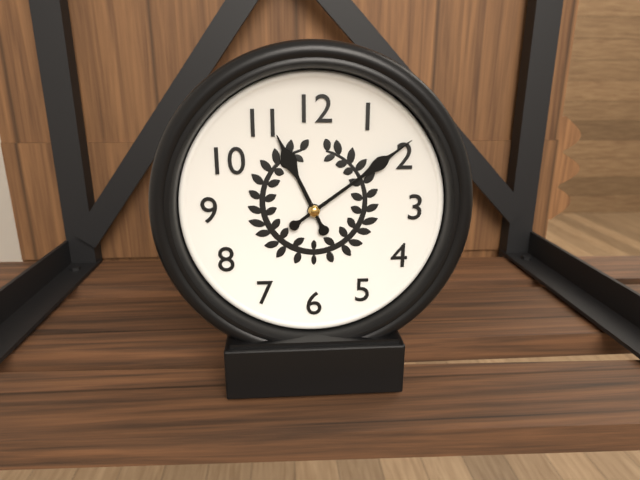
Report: **11:09**
